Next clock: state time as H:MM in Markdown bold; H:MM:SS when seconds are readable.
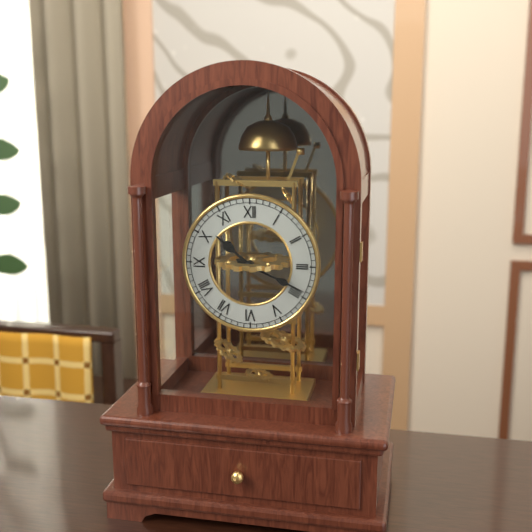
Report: **10:19**
